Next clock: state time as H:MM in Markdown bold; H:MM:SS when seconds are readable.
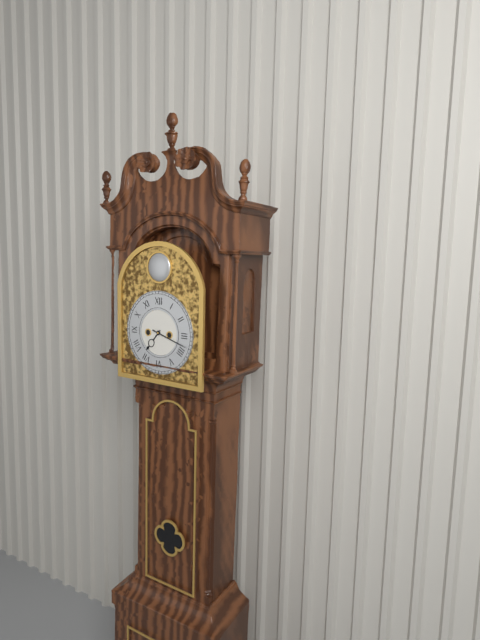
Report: **7:18**
